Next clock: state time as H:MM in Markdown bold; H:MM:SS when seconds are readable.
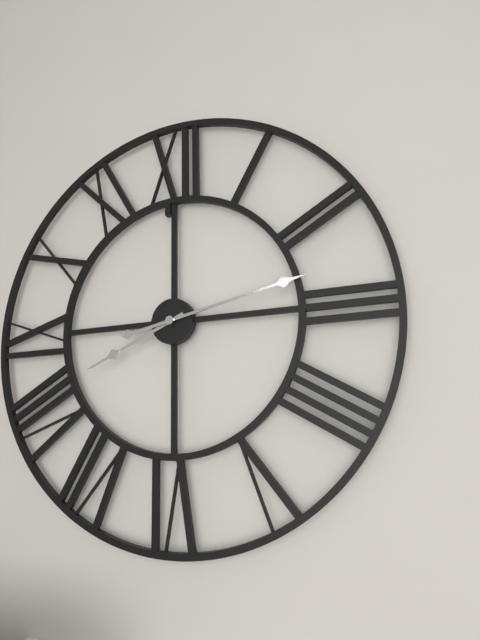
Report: **8:13**
